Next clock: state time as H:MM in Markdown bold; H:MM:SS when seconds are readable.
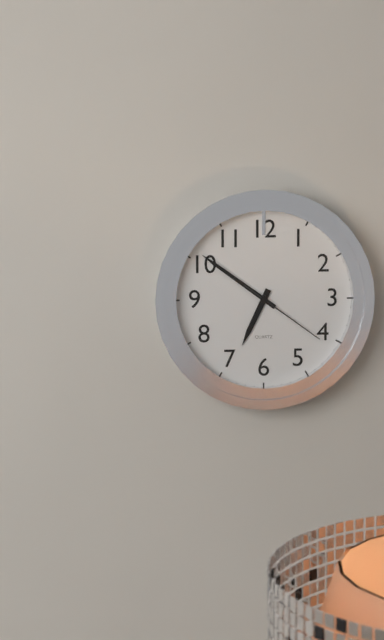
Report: **6:51:21**
